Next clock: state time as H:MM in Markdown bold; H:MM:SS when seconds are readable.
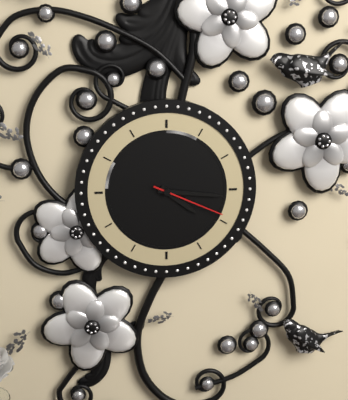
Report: **4:16:19**
